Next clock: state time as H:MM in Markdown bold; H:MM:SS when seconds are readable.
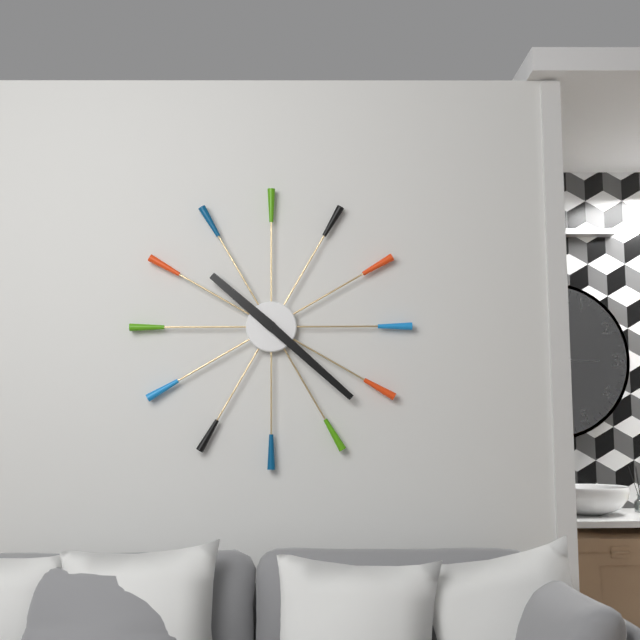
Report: **10:22**
